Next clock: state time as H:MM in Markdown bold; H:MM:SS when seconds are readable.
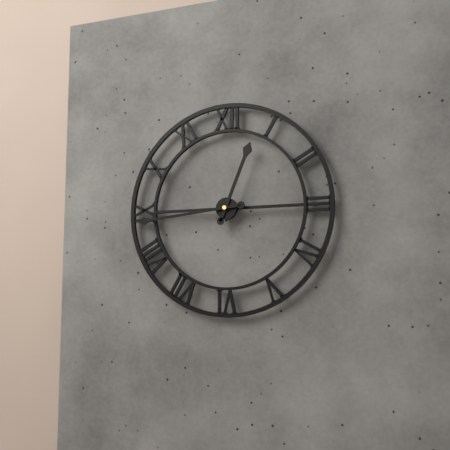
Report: **12:44**
